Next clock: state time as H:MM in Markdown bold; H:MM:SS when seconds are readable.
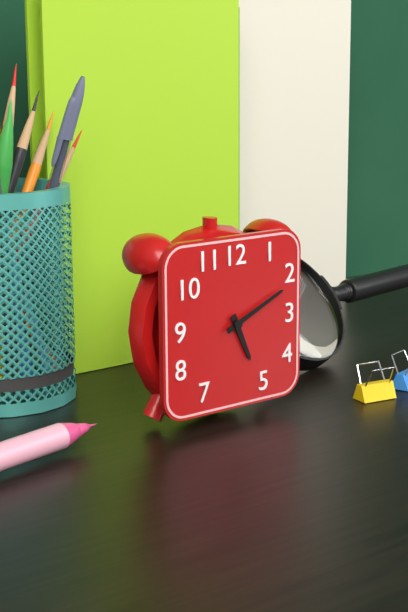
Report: **5:11**
